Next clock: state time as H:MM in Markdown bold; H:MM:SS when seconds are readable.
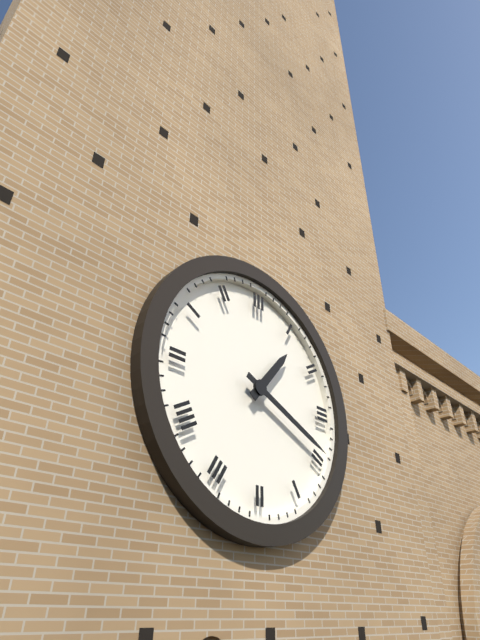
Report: **1:19**
